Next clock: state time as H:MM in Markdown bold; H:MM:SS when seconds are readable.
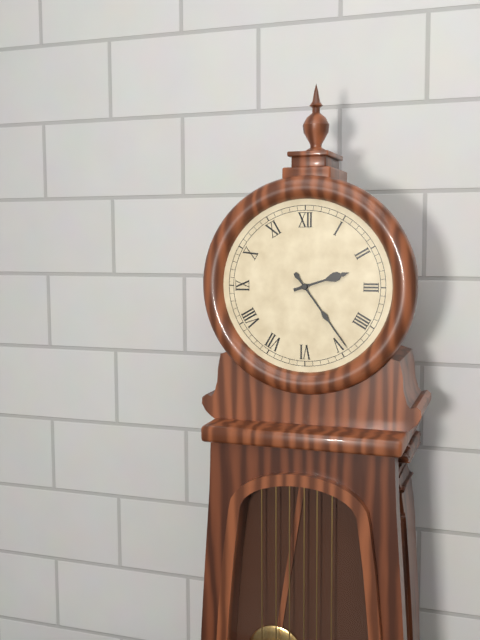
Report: **2:24**
